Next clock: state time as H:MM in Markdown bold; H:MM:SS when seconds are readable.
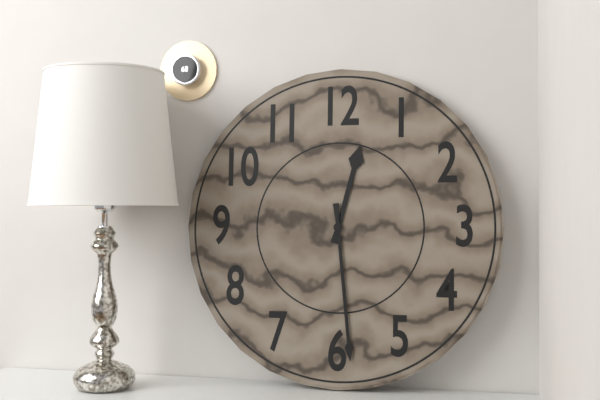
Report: **12:29**
